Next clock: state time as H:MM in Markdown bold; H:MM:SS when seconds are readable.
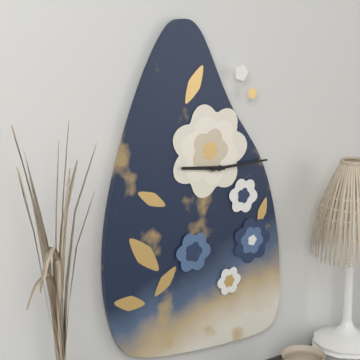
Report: **9:15**
